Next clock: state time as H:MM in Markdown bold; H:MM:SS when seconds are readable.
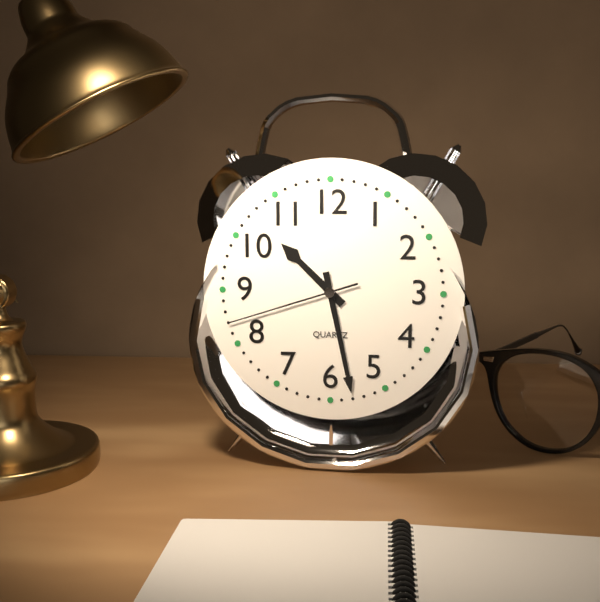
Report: **10:28:42**
